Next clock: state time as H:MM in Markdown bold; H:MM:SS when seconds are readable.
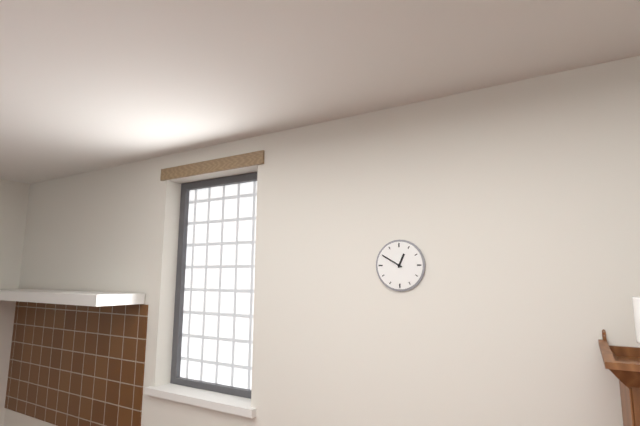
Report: **12:50**
